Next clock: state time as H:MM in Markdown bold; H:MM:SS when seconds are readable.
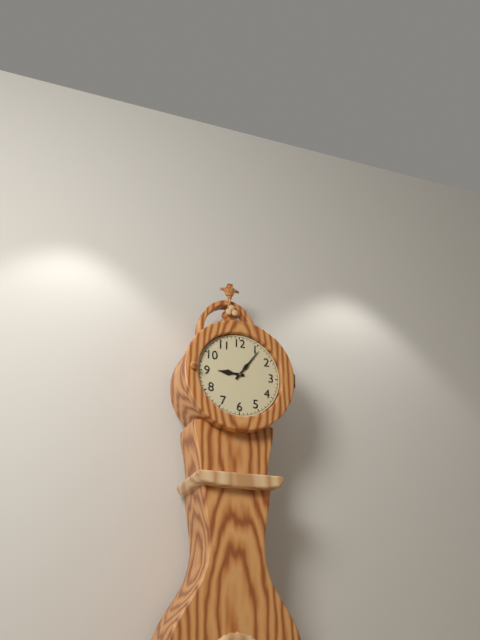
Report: **9:06**
